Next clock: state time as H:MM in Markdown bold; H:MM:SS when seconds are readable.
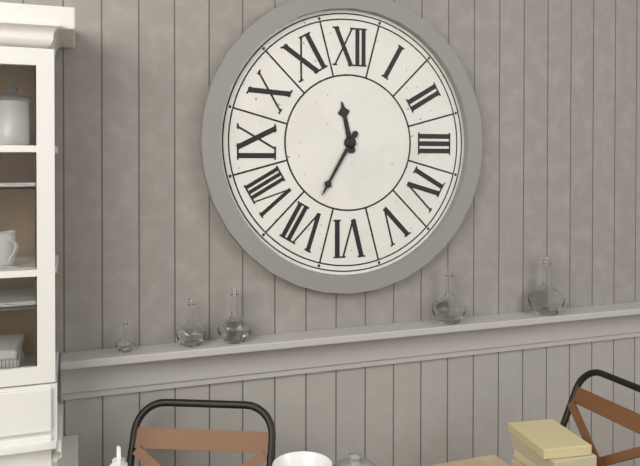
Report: **11:35**
